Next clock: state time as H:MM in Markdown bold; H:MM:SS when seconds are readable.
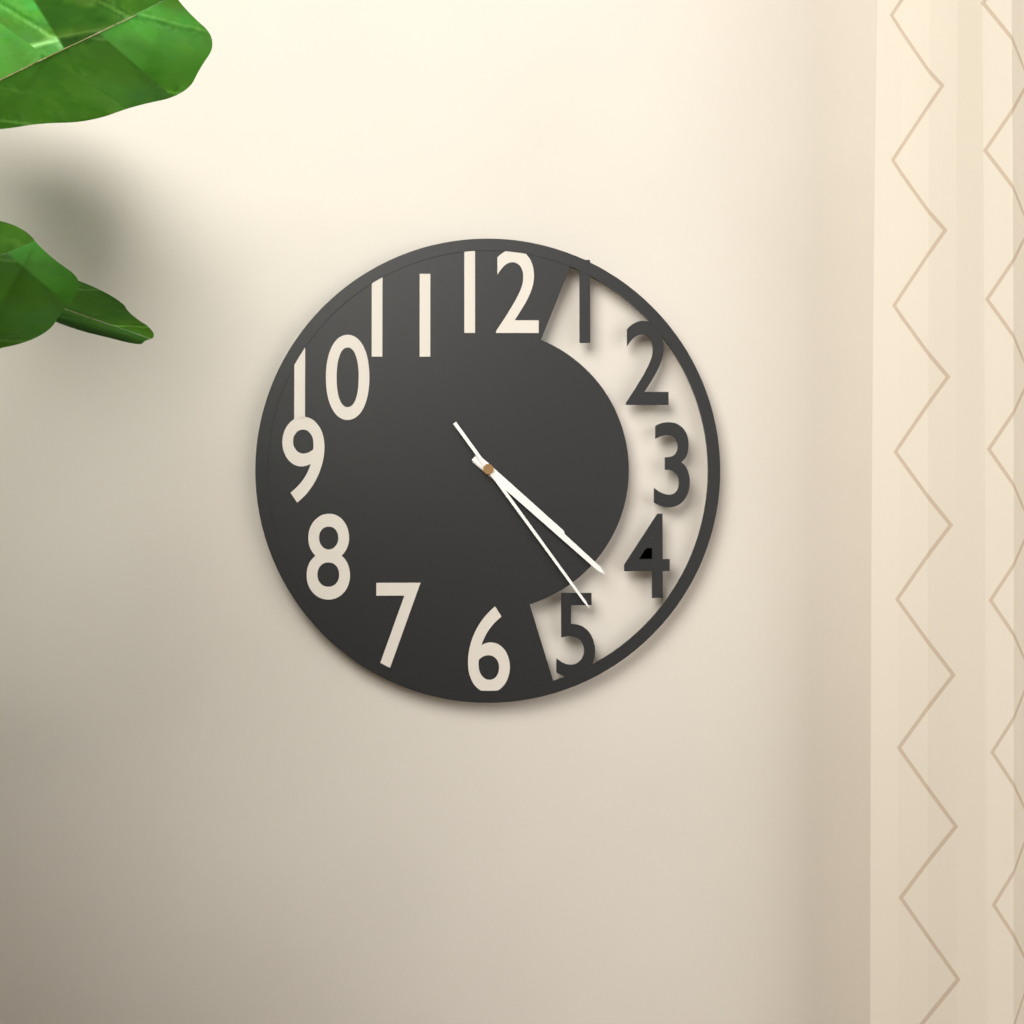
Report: **4:22:24**
